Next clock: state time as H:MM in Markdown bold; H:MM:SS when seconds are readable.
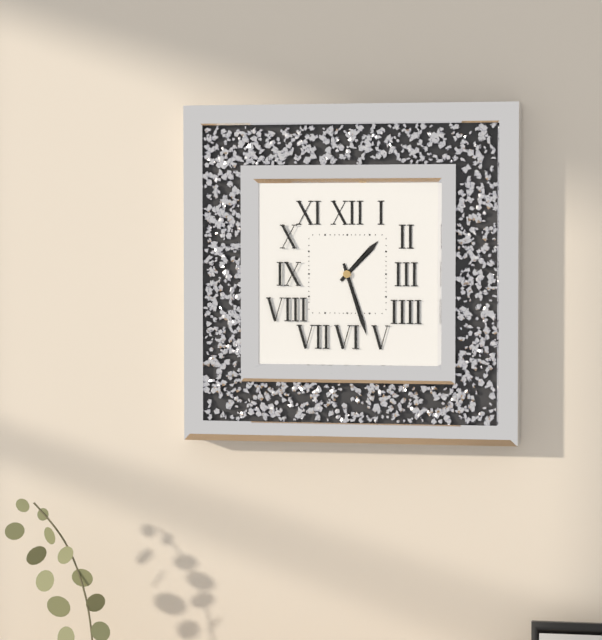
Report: **1:27**
